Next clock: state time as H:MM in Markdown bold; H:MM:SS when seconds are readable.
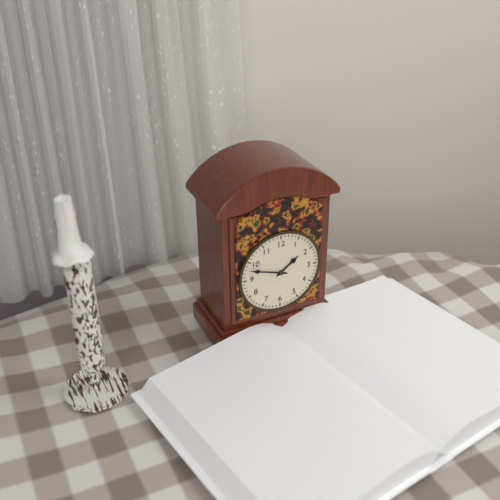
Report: **1:48**
